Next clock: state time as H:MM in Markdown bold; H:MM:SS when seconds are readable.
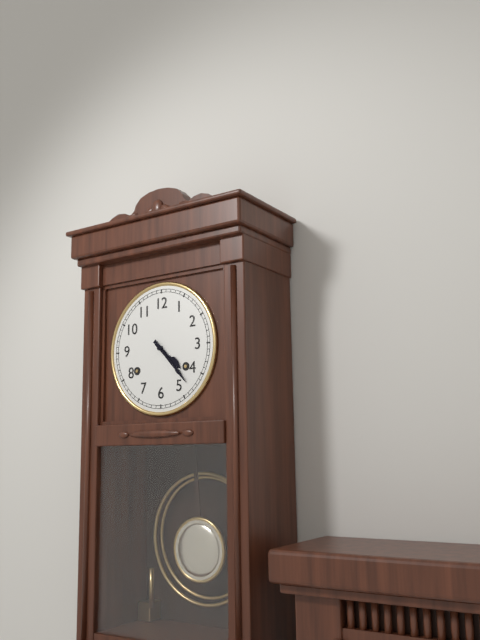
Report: **4:23**
